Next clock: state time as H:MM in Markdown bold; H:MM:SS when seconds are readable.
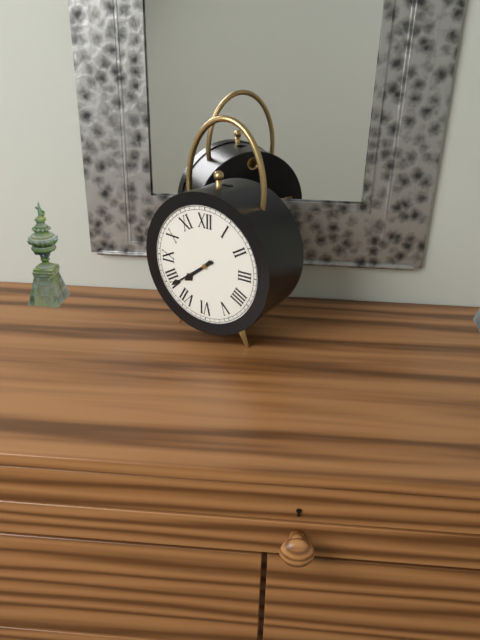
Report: **7:39**
